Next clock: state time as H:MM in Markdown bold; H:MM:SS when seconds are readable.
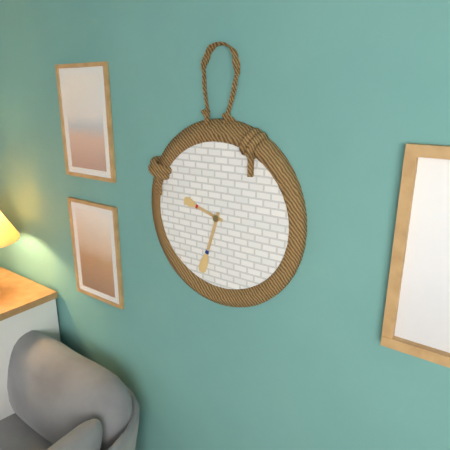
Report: **9:33**
